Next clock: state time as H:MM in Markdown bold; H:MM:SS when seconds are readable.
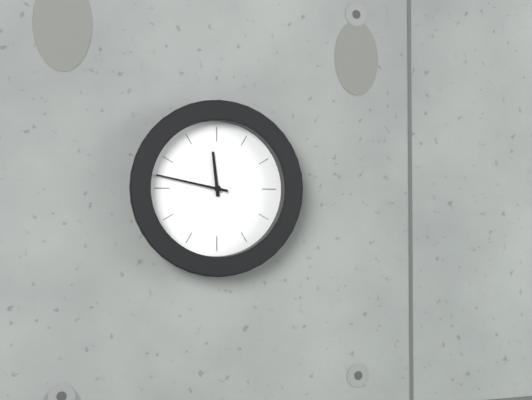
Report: **11:47**
